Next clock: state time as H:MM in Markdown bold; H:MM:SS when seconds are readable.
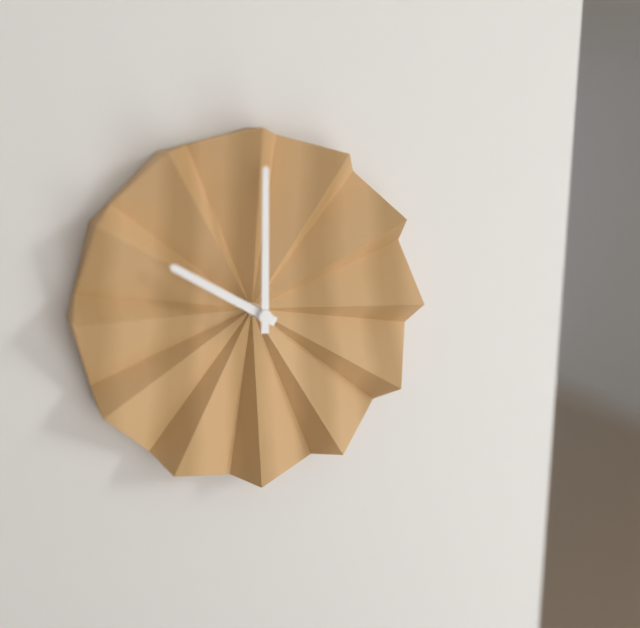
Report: **10:00**
